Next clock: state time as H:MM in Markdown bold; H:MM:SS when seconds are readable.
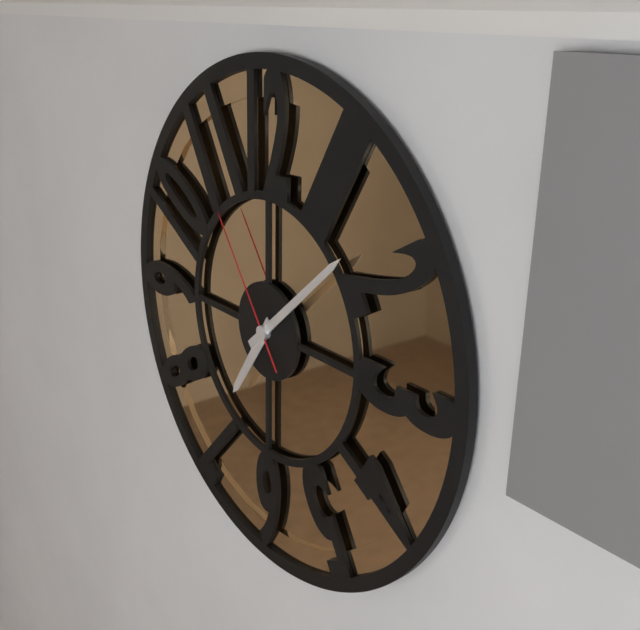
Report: **7:08:54**
